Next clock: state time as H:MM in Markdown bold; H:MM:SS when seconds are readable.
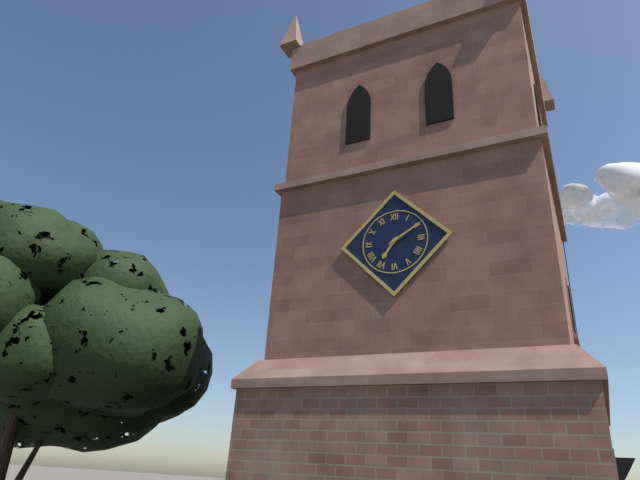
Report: **7:10**
